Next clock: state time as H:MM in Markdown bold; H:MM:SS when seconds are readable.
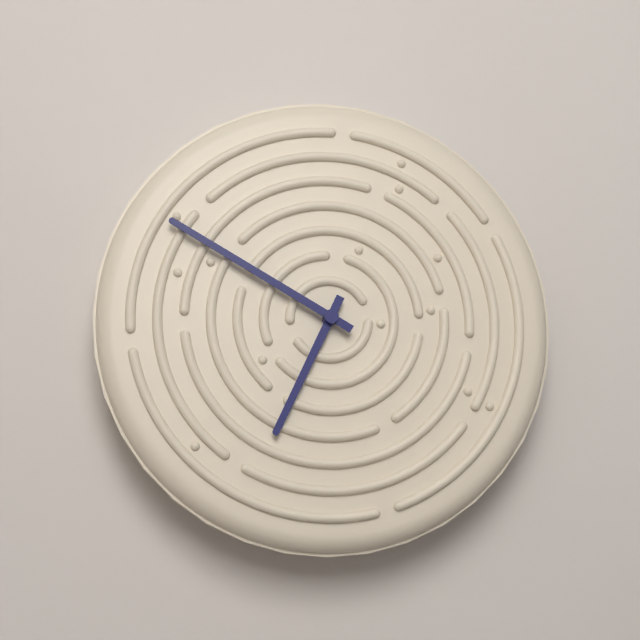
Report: **6:50**
